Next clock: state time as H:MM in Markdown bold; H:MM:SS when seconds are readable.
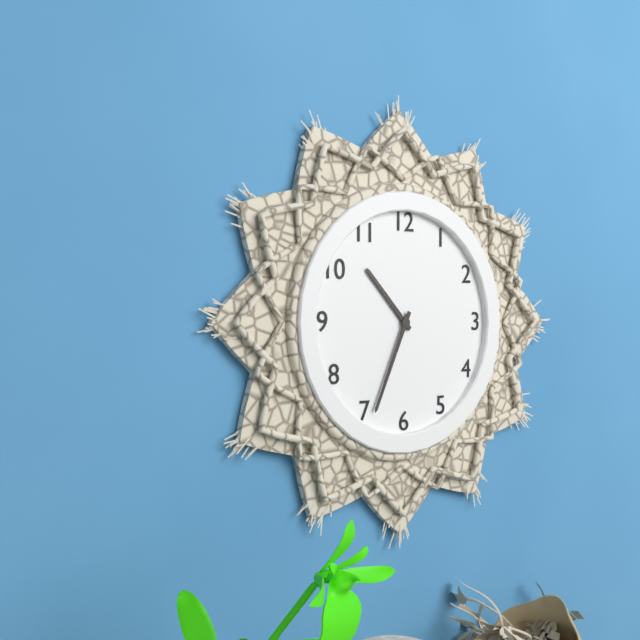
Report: **10:34**
